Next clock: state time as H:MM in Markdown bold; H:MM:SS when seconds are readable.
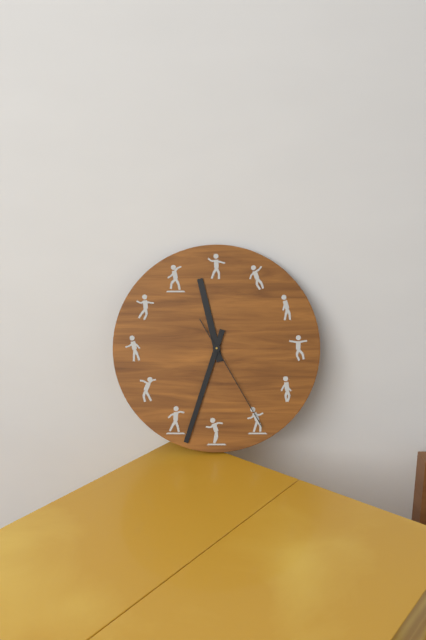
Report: **11:33:25**
